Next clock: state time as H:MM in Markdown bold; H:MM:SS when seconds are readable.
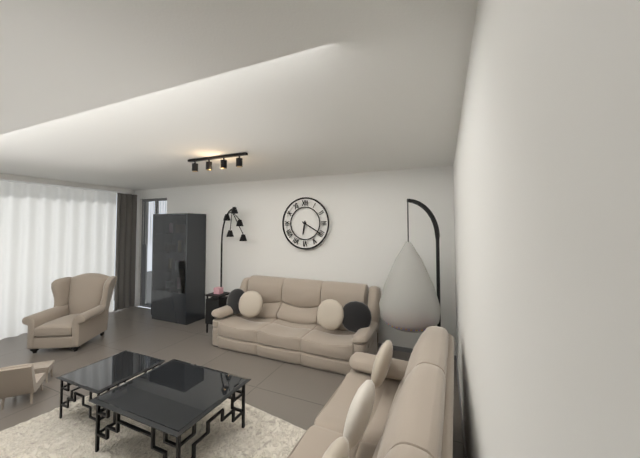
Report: **6:20**
